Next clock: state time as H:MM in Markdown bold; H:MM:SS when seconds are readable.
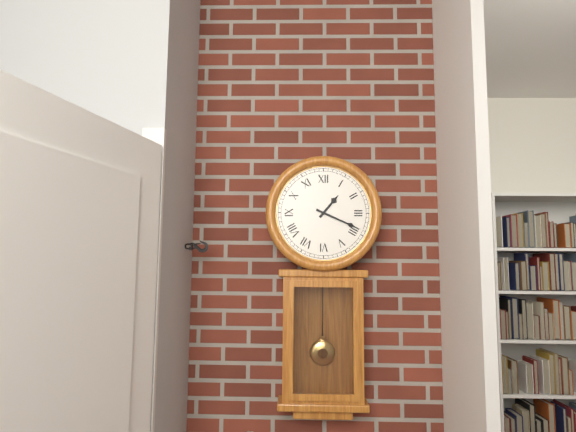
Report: **1:19**
